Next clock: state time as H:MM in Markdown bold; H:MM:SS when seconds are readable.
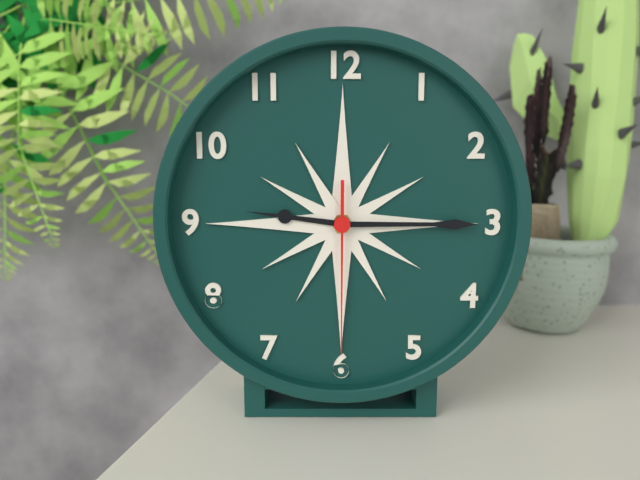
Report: **9:15:30**
